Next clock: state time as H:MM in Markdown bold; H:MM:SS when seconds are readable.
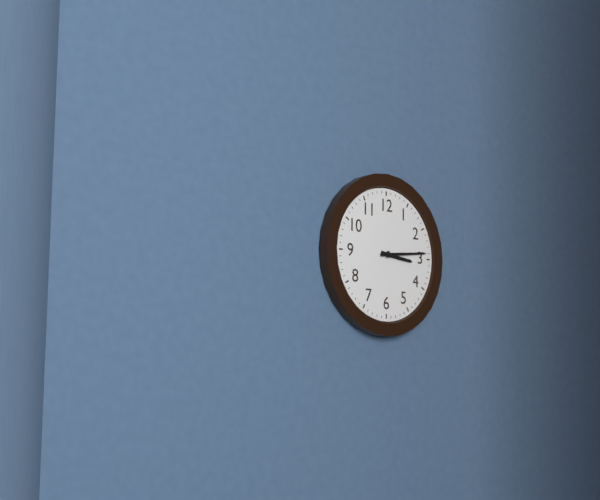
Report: **3:14**
